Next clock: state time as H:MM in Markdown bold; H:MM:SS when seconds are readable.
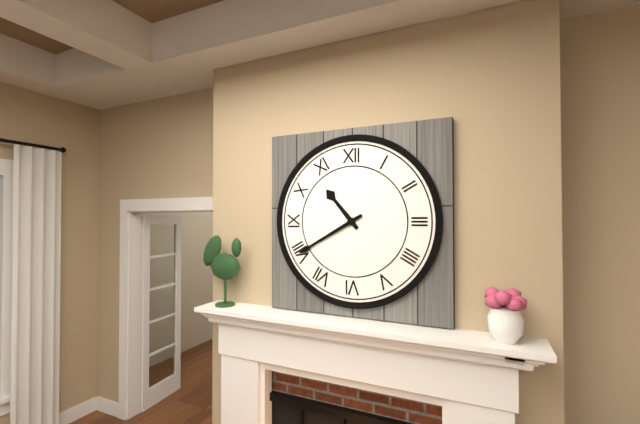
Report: **10:40**
